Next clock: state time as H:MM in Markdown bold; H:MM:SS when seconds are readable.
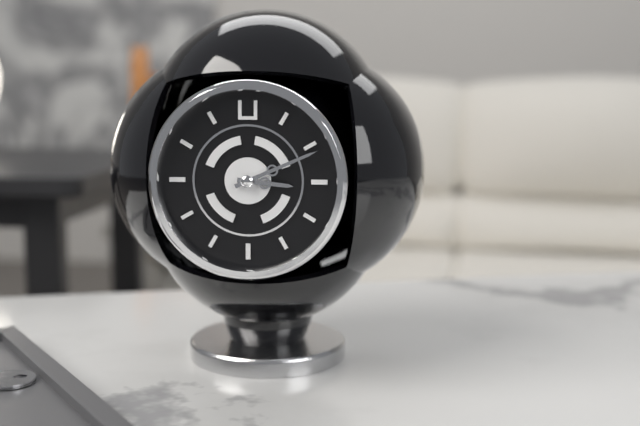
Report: **3:11**
